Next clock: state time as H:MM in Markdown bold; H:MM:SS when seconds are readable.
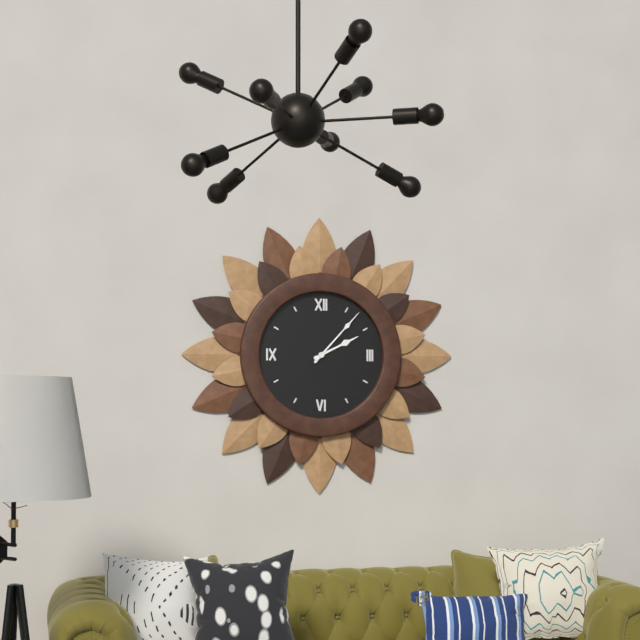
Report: **2:07**
